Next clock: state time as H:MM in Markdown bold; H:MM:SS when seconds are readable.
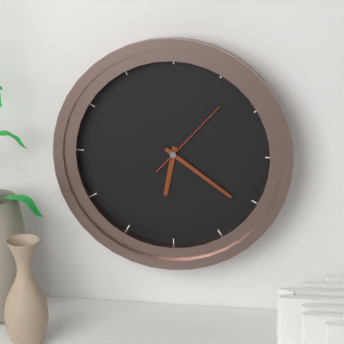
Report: **6:21:07**
